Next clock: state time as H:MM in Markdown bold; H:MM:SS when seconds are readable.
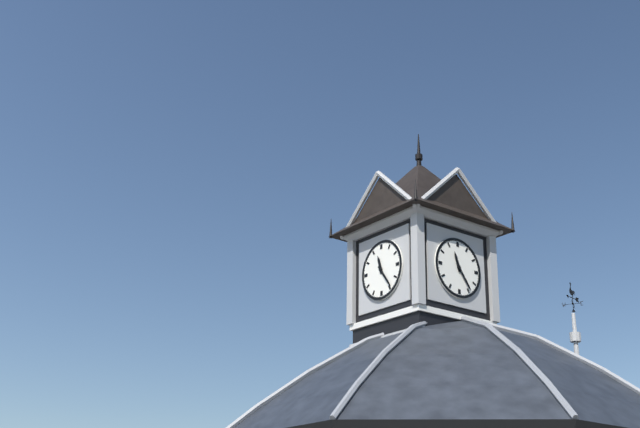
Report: **11:24**
